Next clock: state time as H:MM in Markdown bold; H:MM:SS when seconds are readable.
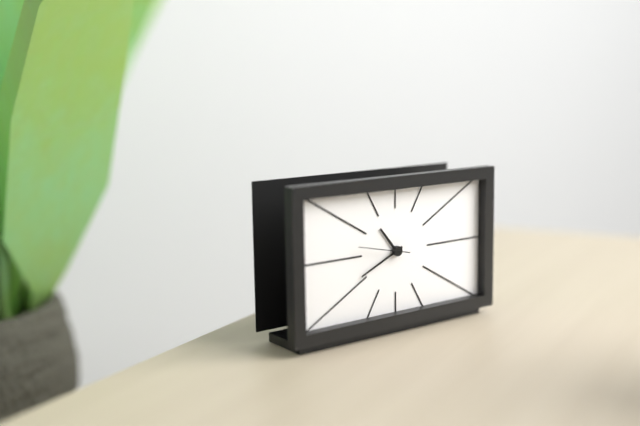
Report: **10:41:47**
